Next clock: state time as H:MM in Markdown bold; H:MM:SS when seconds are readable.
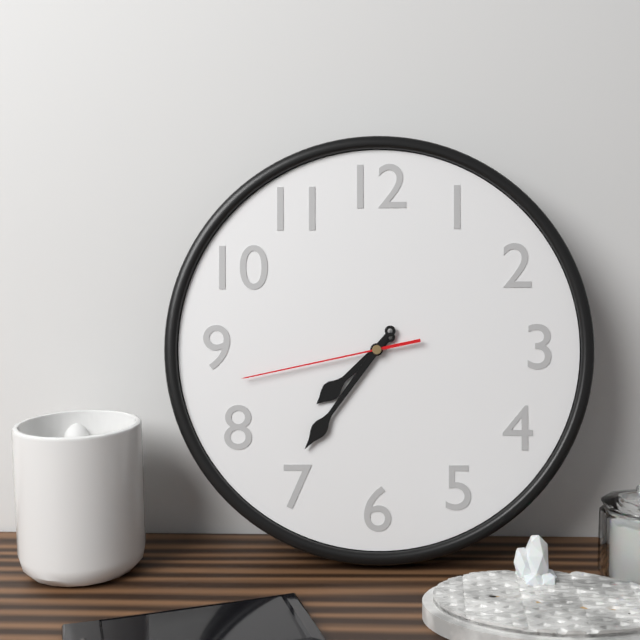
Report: **7:36:43**
